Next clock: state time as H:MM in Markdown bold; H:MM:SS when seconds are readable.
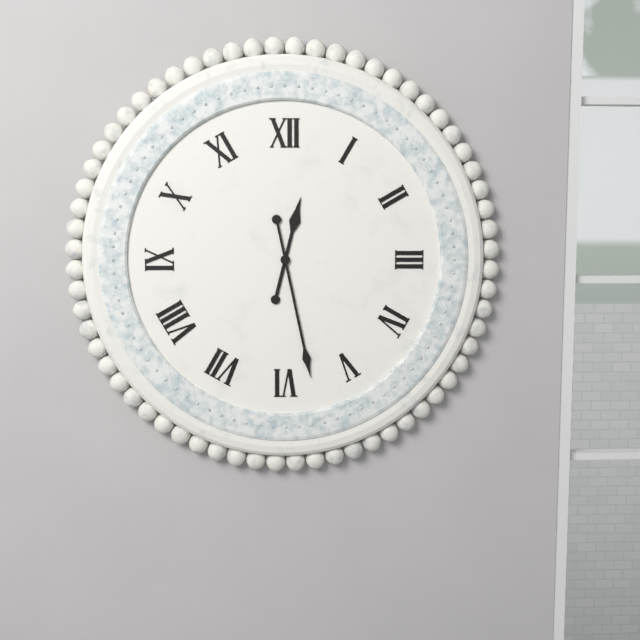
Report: **12:28**
